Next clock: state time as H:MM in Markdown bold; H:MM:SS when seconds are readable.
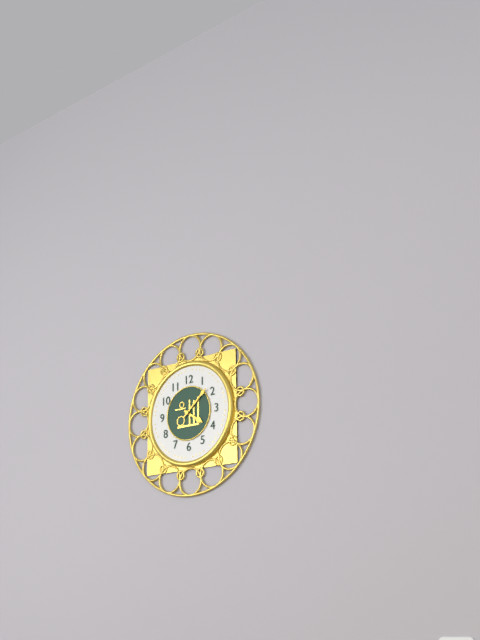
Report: **4:08**
